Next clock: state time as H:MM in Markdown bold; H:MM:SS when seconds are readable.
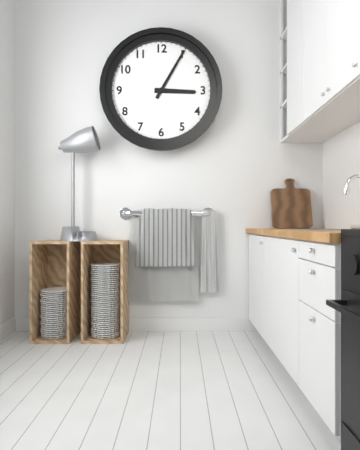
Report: **3:05**
